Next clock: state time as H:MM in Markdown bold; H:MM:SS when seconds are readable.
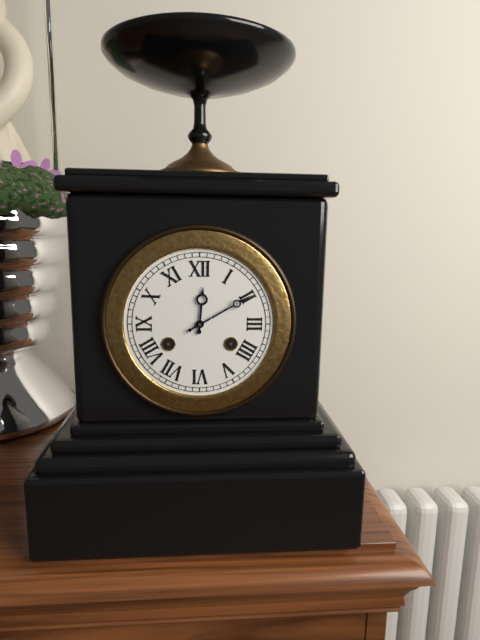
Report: **12:10**
